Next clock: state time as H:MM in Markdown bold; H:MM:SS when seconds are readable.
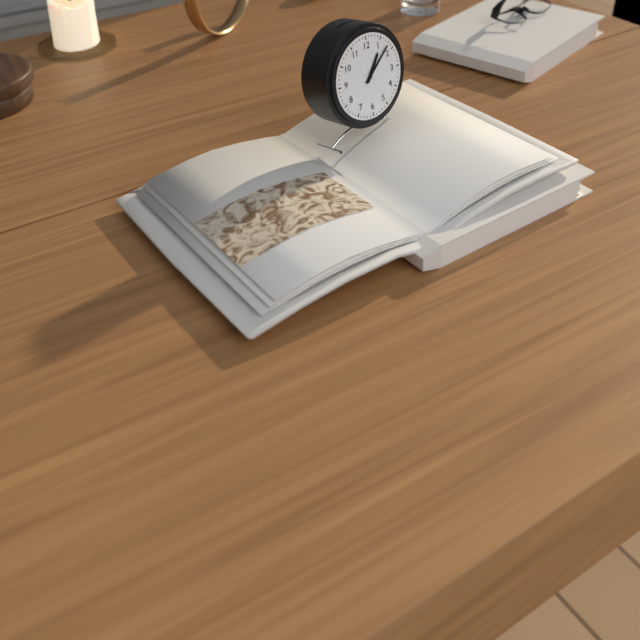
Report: **1:08**
